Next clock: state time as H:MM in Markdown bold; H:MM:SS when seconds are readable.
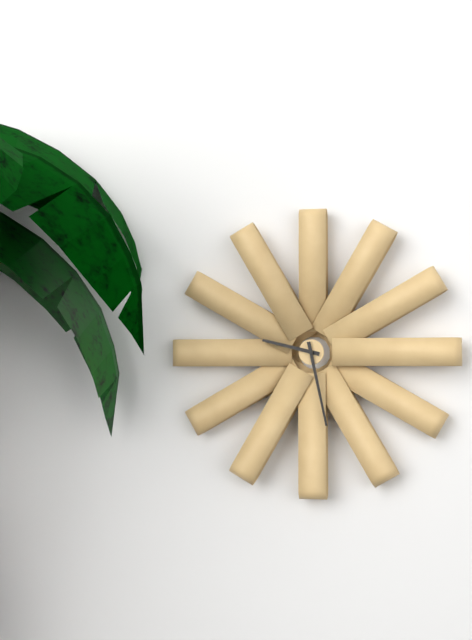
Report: **9:28**
